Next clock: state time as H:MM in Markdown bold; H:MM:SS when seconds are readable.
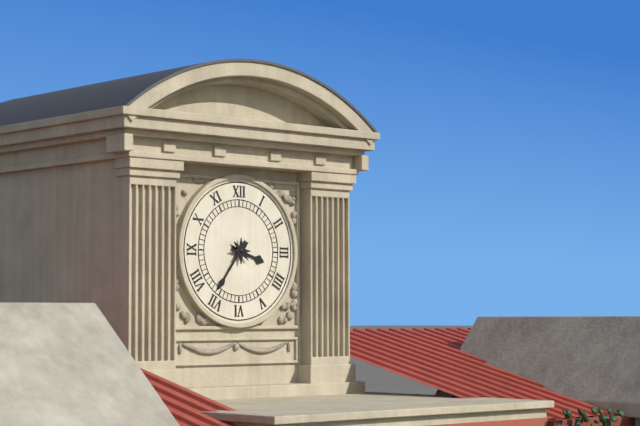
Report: **3:36**
